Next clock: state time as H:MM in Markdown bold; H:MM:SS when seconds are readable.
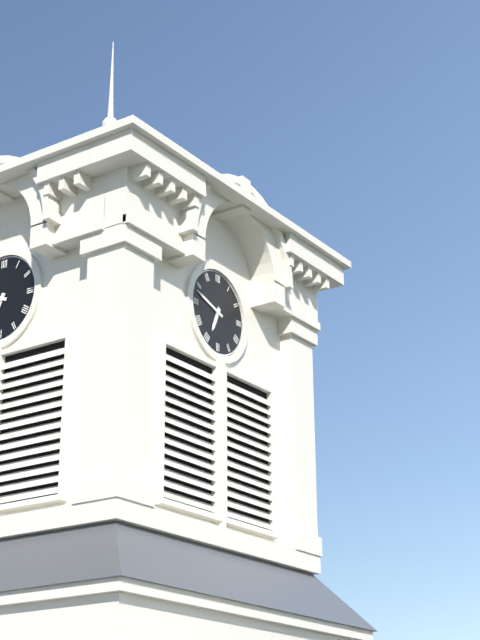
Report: **6:48**
